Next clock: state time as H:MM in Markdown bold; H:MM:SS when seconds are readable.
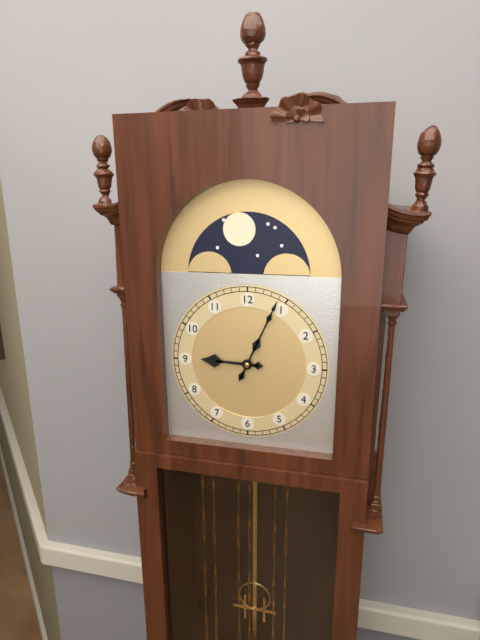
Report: **9:04**
